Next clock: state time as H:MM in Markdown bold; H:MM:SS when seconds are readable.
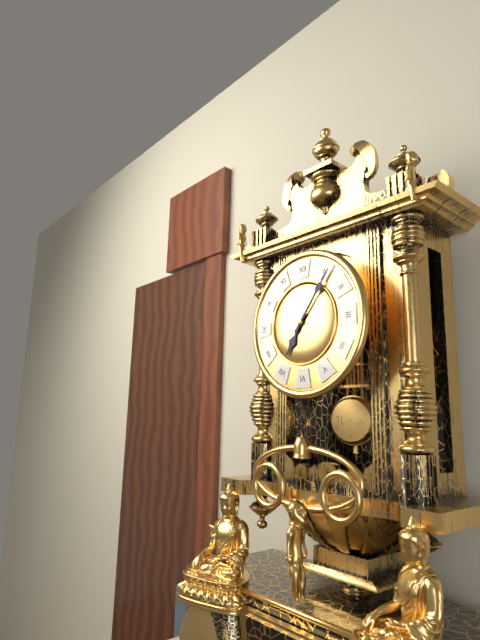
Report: **7:06**
